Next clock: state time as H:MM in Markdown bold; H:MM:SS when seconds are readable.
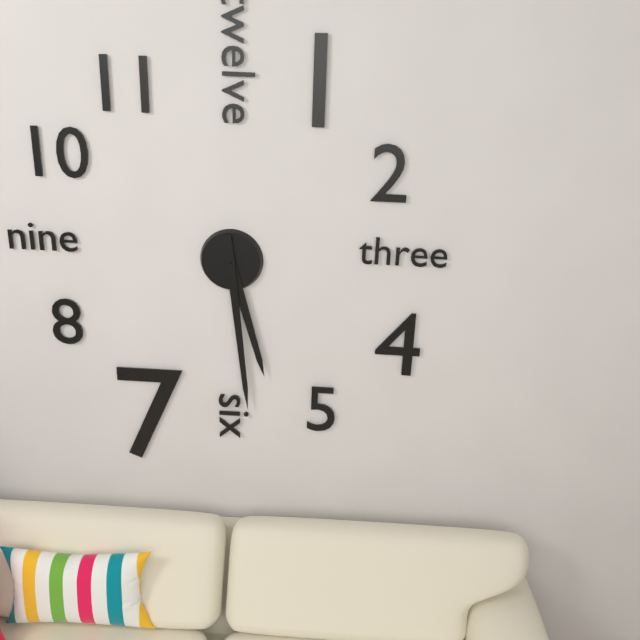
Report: **5:29**
